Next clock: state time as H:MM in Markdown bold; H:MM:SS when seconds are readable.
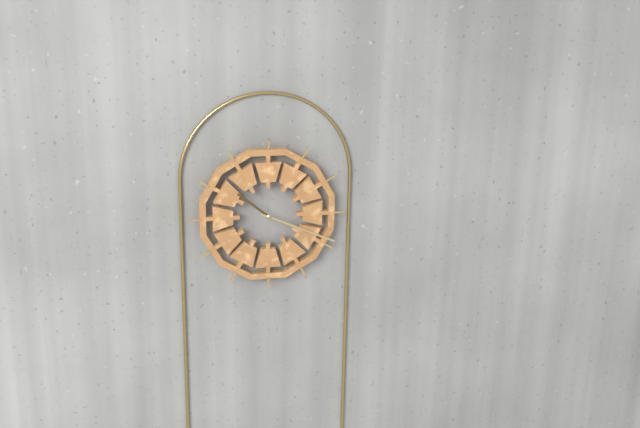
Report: **10:19**
